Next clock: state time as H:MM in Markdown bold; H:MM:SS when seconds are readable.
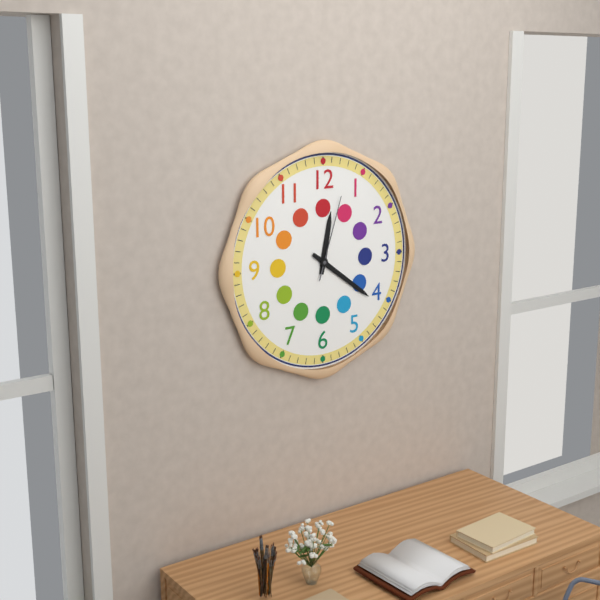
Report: **12:21:03**
